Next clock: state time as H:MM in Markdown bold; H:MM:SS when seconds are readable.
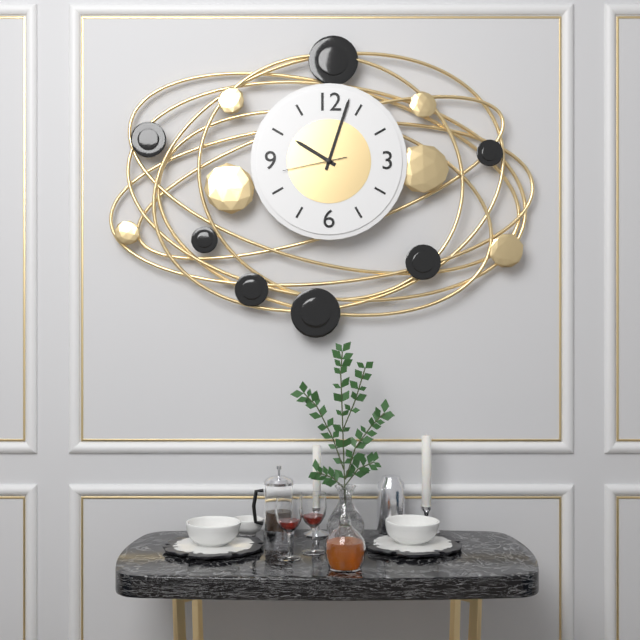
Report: **10:03:43**
